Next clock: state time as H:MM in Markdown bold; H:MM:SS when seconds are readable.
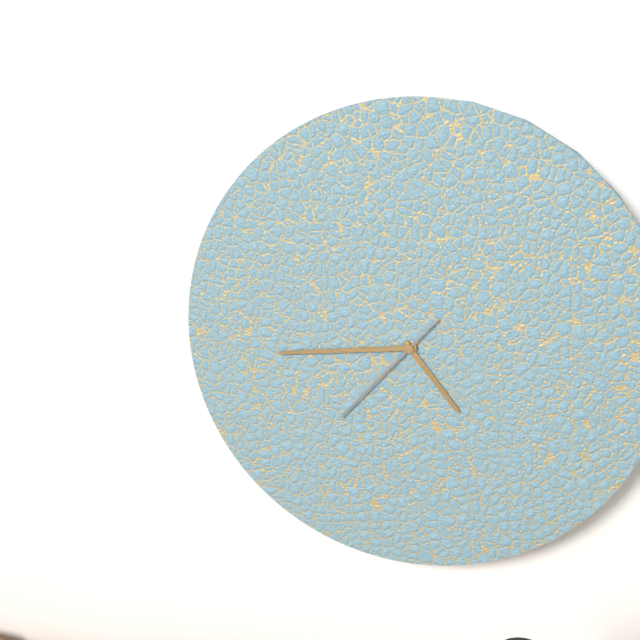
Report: **4:44:37**
